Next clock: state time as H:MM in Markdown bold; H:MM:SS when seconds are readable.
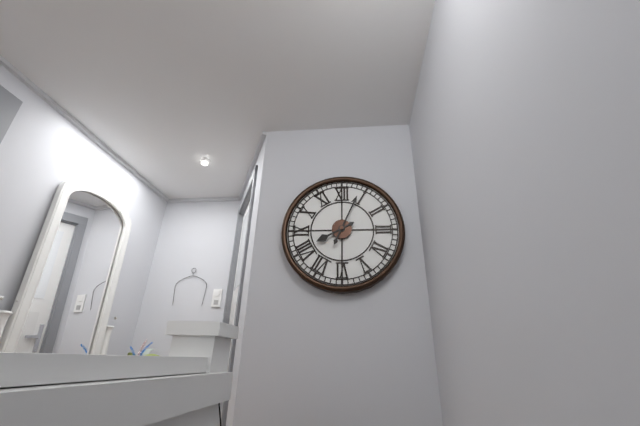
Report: **8:04**
